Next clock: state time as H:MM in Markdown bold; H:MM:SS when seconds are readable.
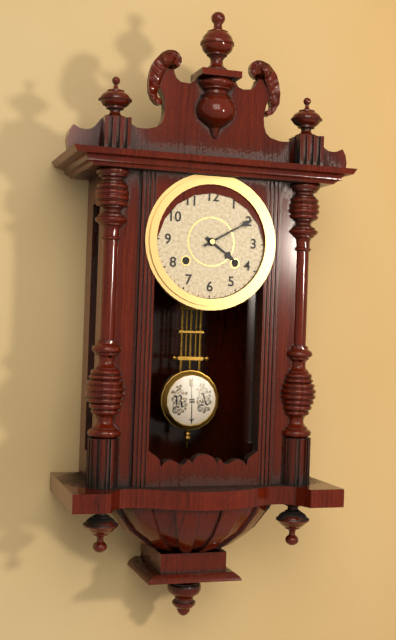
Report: **4:10**
